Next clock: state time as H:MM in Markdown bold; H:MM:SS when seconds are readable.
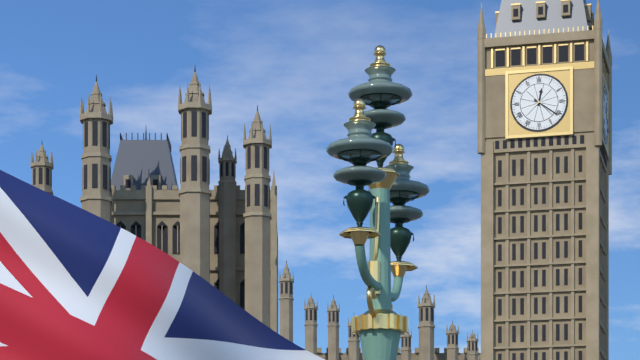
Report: **12:21**
